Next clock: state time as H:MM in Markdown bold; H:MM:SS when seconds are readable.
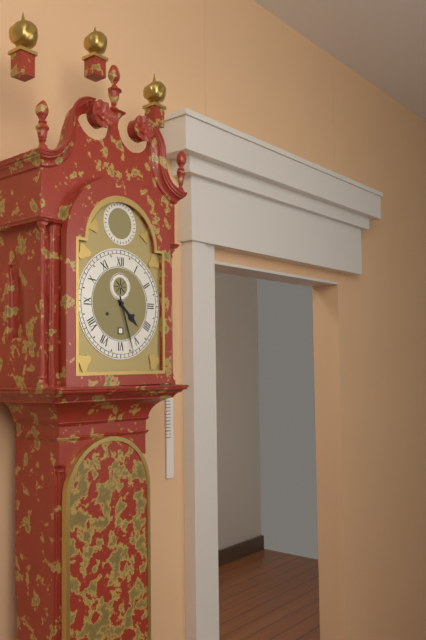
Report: **4:27**
